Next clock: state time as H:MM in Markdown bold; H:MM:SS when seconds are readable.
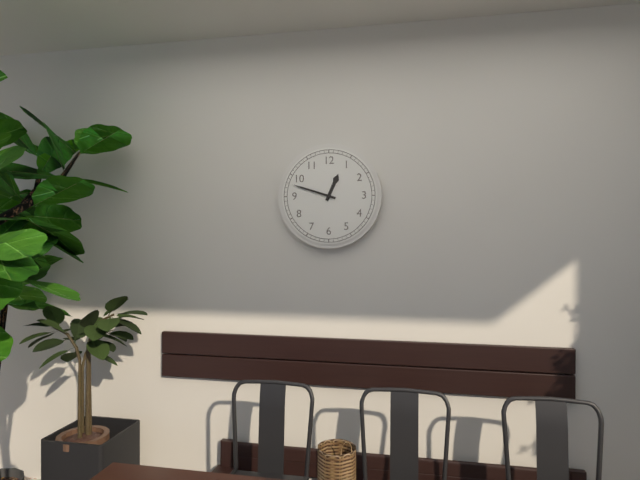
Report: **12:48**
